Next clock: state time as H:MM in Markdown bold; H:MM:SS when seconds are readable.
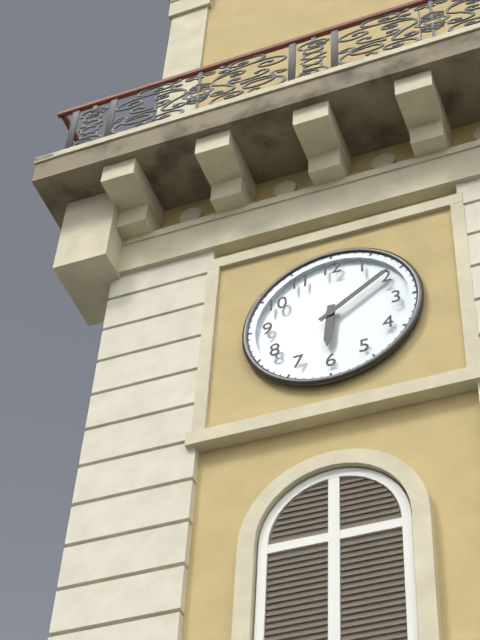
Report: **6:09**
